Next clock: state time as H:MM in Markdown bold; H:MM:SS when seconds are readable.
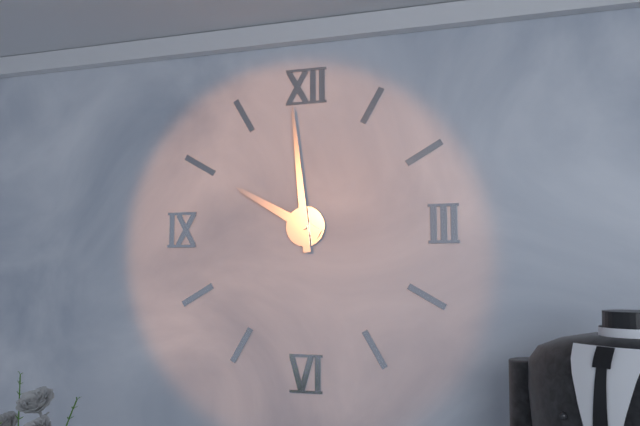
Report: **9:59**
